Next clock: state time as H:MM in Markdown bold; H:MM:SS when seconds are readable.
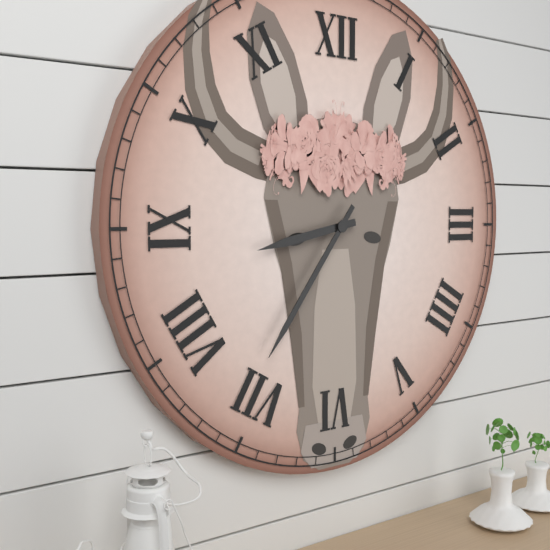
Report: **8:36**
